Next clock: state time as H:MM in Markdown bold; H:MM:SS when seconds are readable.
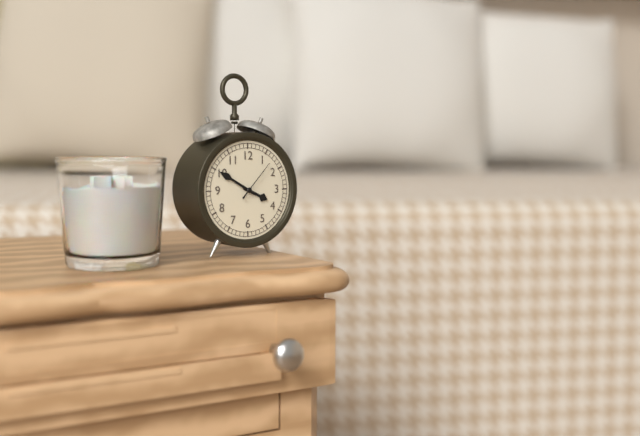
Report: **3:50**
